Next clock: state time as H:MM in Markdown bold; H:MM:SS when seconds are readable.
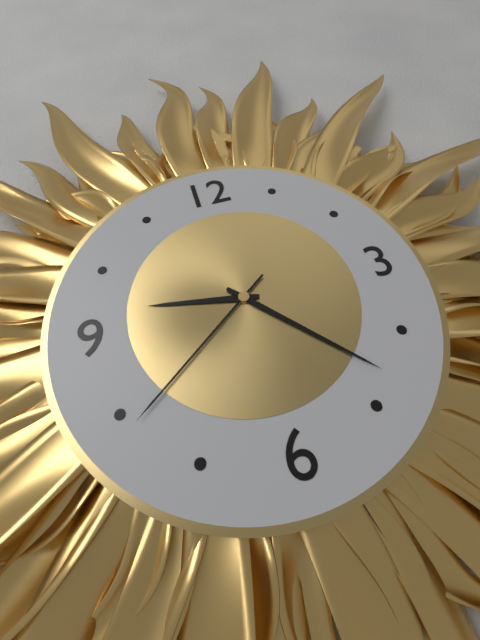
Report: **9:23:39**
